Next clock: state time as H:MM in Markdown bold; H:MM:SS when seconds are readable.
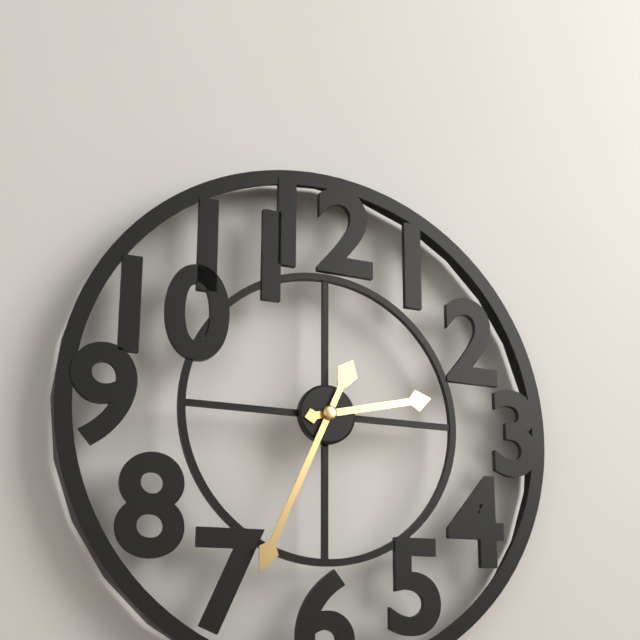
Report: **2:34**
